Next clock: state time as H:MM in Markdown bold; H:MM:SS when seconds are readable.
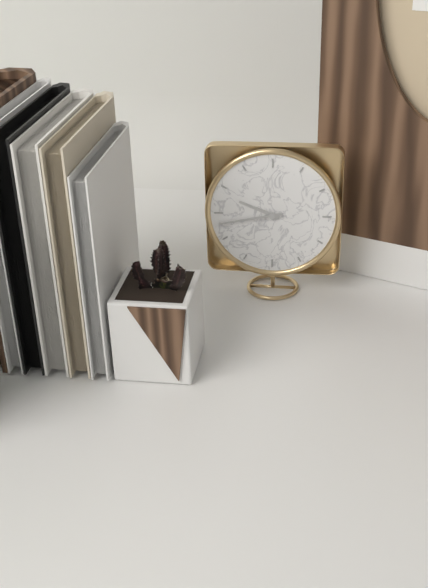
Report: **9:43**
